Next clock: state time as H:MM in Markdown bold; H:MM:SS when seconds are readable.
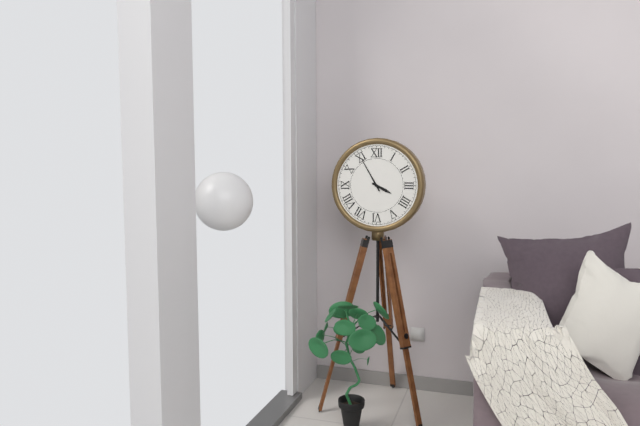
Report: **3:55**
